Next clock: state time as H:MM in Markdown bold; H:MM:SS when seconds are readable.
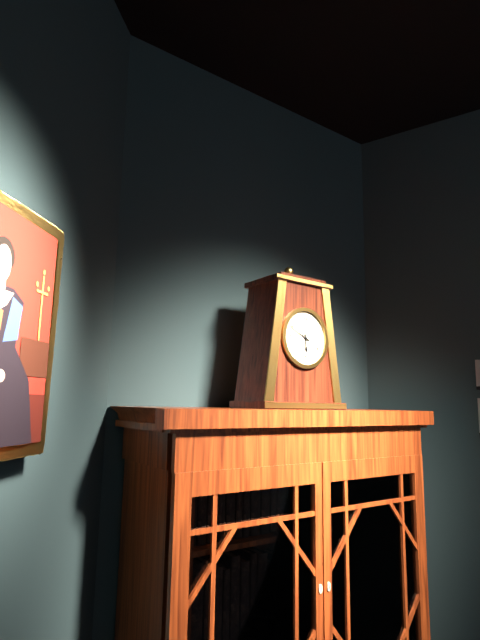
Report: **5:49**
